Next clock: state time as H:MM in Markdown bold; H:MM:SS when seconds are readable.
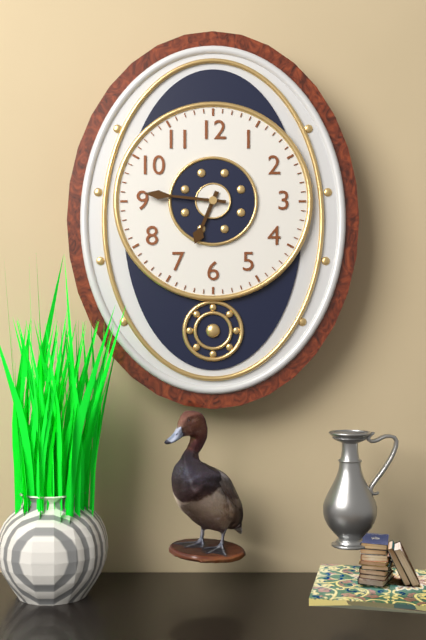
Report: **6:46**
